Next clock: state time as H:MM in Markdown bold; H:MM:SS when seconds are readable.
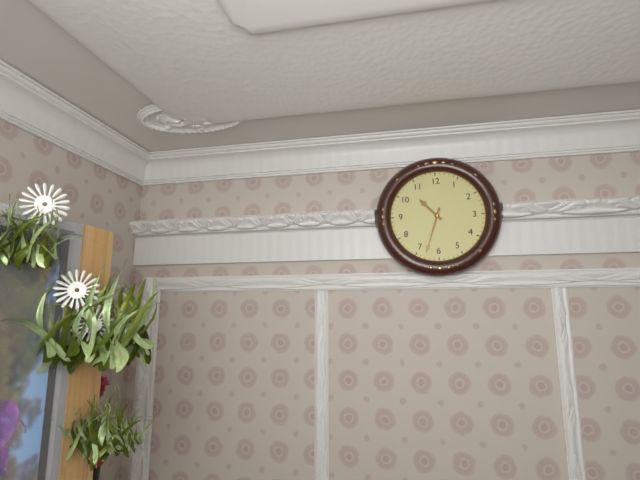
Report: **10:33**
